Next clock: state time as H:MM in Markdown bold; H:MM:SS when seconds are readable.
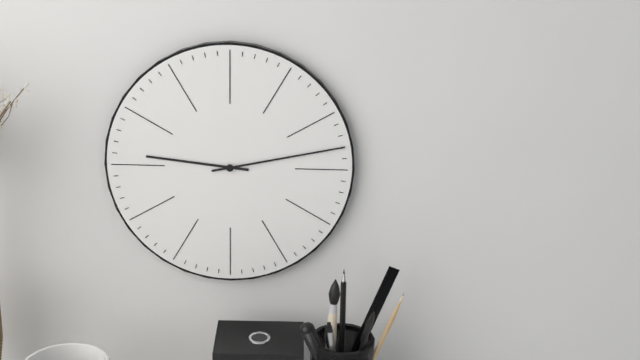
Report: **9:13**
